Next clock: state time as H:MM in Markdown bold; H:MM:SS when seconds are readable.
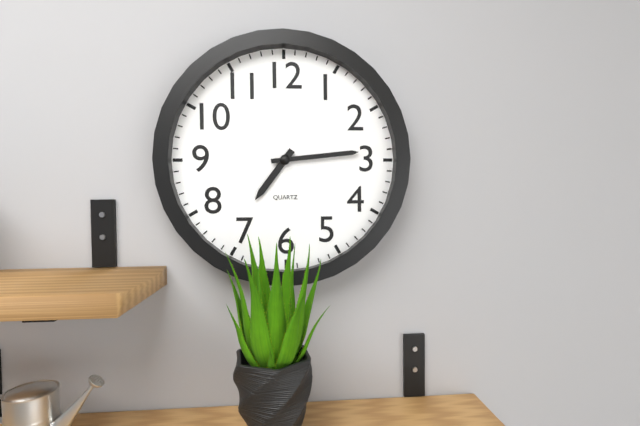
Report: **7:14**
